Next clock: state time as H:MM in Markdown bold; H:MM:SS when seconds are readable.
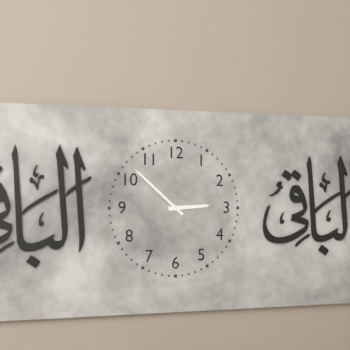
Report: **2:52**
